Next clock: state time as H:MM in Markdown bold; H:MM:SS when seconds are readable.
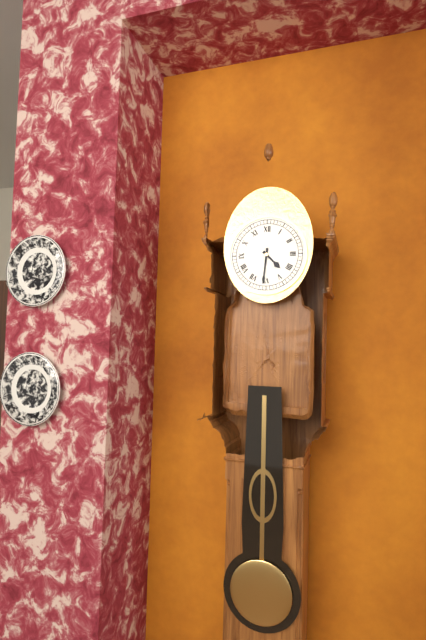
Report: **4:31**
